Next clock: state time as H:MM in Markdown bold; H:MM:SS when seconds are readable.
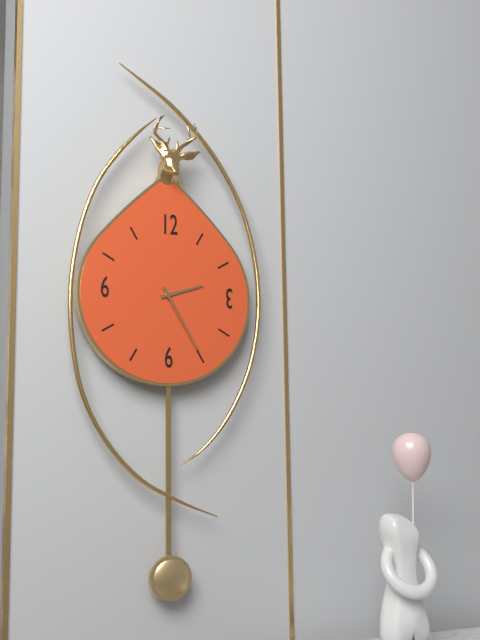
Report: **2:25**
